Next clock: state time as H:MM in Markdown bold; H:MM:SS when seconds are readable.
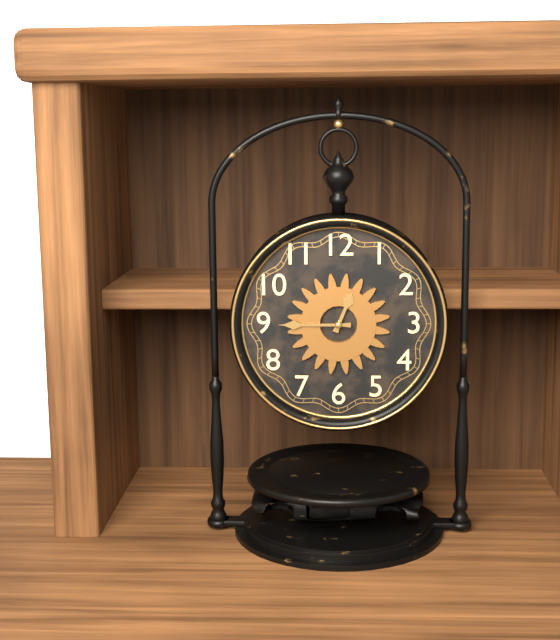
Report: **12:45**
